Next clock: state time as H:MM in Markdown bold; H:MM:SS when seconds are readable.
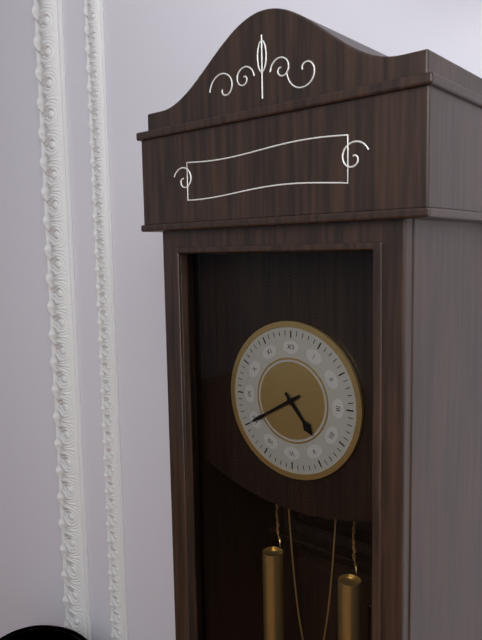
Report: **4:40**
